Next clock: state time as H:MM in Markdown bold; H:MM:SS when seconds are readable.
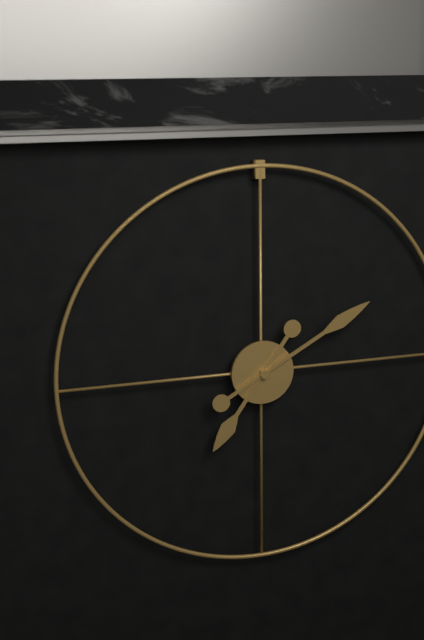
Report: **7:10**
